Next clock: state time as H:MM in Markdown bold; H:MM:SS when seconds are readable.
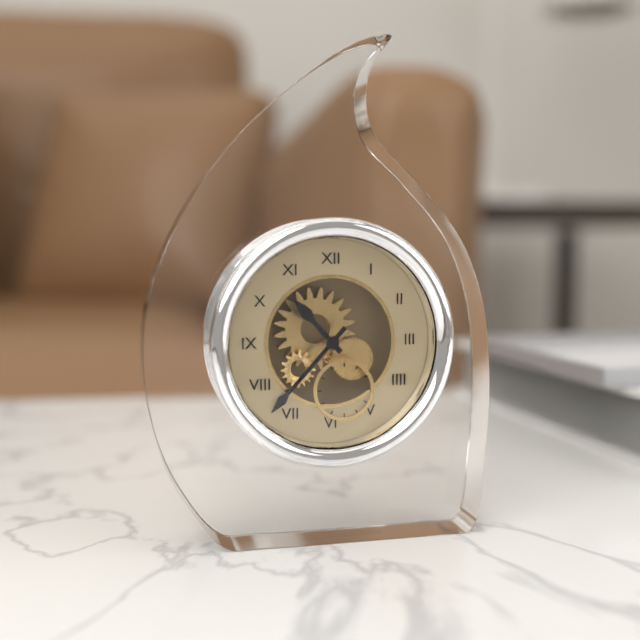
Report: **10:37**
